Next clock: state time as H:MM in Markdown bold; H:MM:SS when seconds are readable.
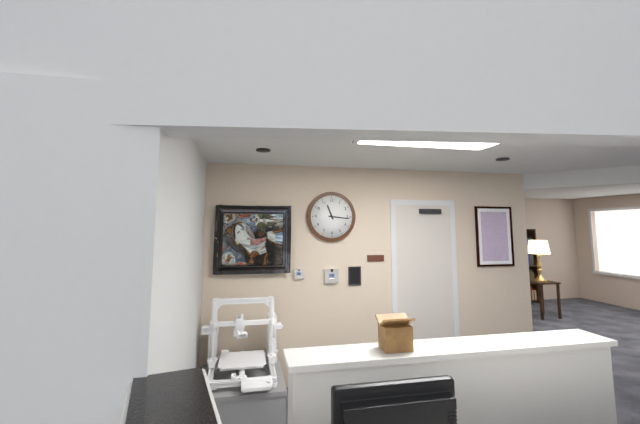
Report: **11:16**
